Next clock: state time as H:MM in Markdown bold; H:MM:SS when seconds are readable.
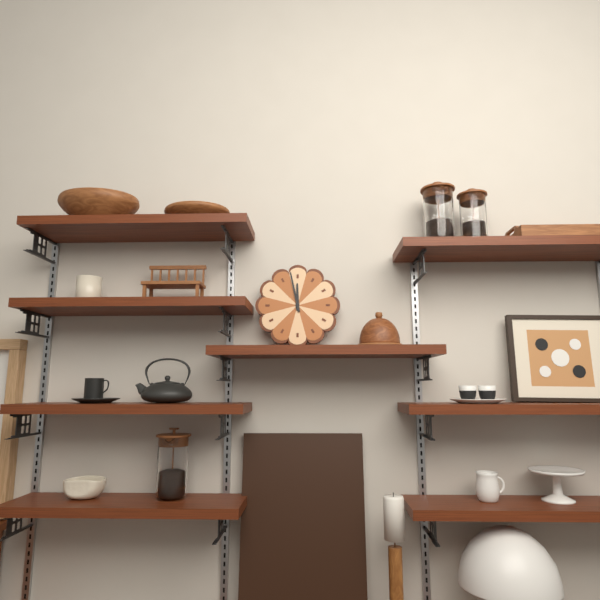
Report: **11:58**
